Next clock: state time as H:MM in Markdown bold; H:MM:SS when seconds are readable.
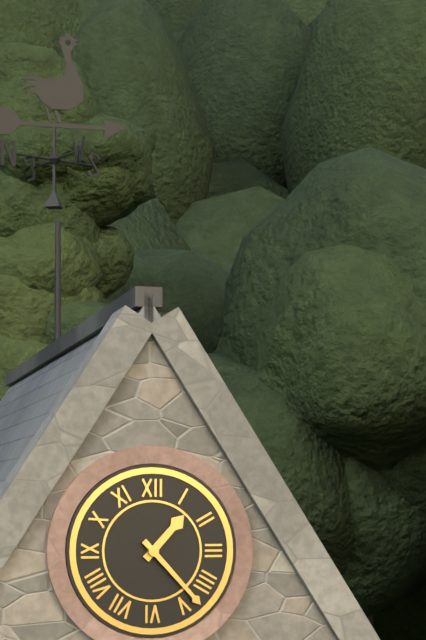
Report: **1:23**
